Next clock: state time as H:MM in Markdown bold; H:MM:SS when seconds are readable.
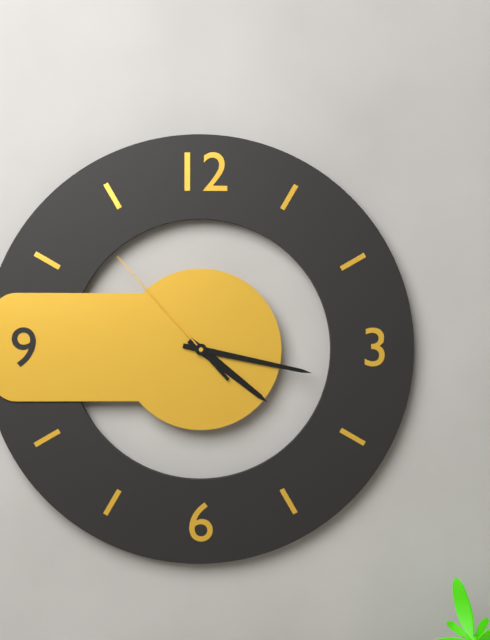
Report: **4:17:53**
